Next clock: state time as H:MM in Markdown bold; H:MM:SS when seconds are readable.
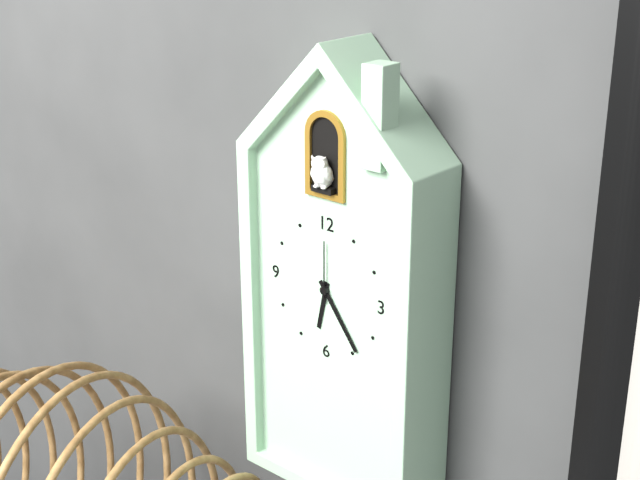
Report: **6:24:00**
